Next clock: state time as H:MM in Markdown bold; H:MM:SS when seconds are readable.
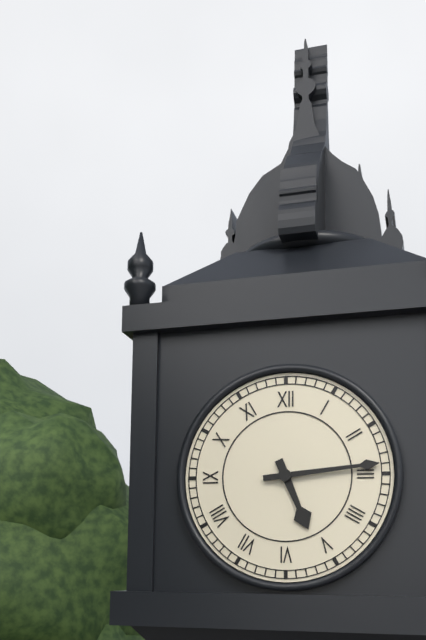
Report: **5:14**
